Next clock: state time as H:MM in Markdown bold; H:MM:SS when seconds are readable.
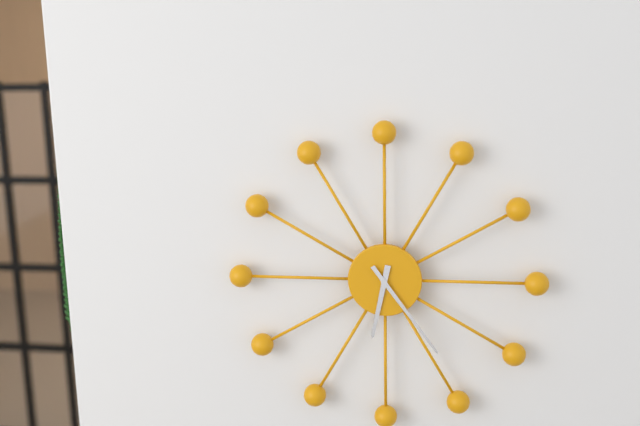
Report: **6:24**
